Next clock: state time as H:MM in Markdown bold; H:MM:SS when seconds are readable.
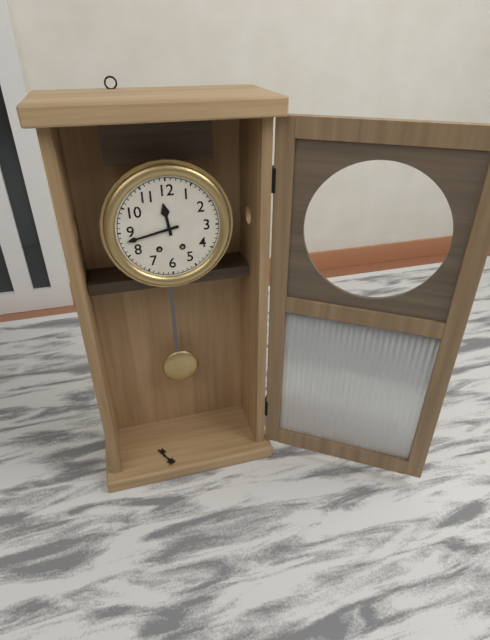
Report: **11:43**
